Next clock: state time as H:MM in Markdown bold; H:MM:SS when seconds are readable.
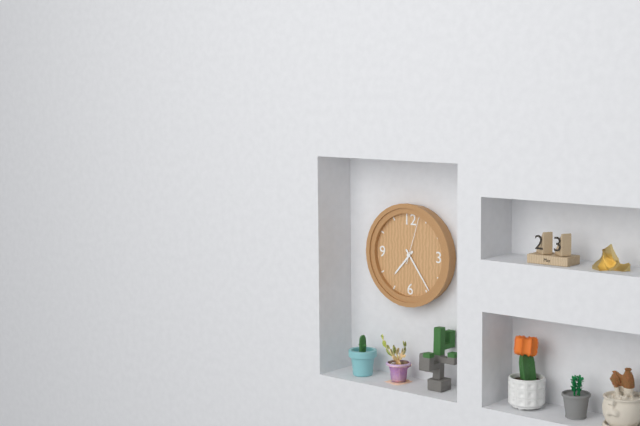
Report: **7:24:03**
